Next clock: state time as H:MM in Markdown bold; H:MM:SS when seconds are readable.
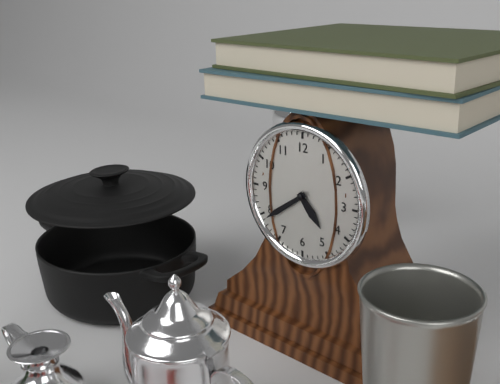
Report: **4:39**
